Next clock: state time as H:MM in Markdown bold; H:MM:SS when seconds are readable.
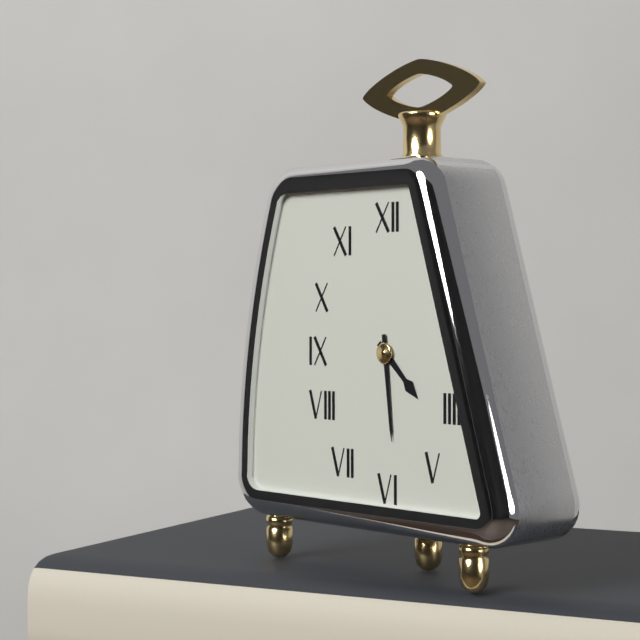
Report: **4:29**
